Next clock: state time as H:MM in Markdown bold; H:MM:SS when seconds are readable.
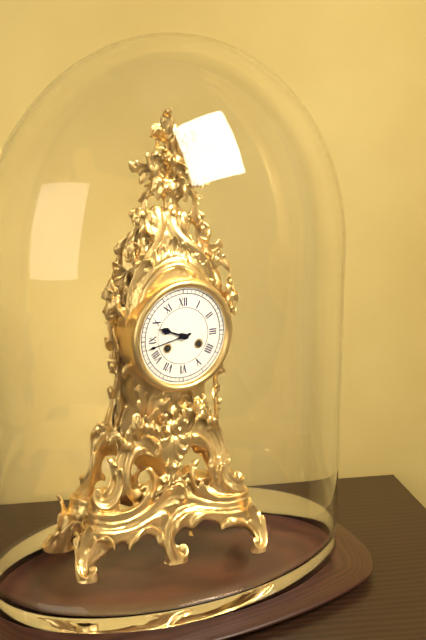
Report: **9:43**
